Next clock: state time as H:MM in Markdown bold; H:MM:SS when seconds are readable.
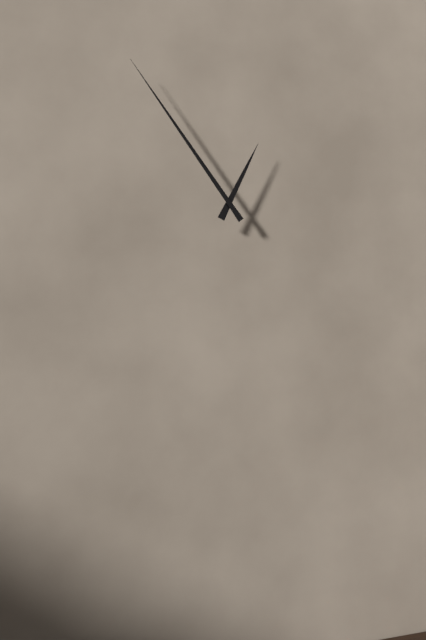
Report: **12:54**
